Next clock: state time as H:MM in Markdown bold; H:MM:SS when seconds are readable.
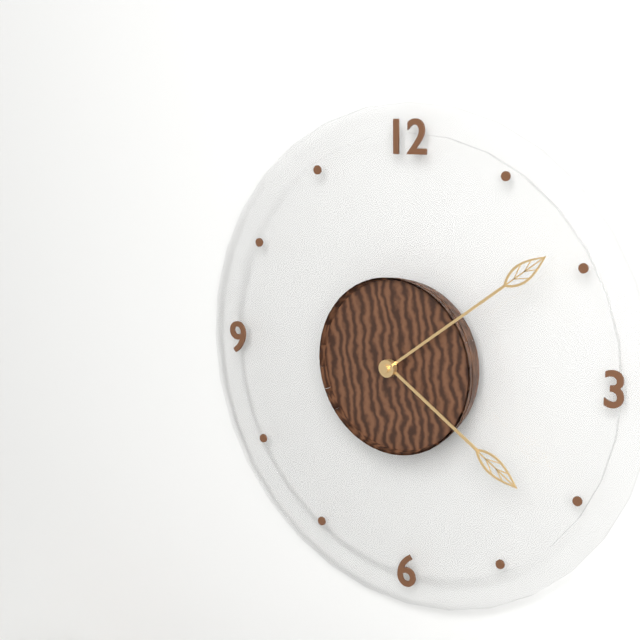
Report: **4:09**
